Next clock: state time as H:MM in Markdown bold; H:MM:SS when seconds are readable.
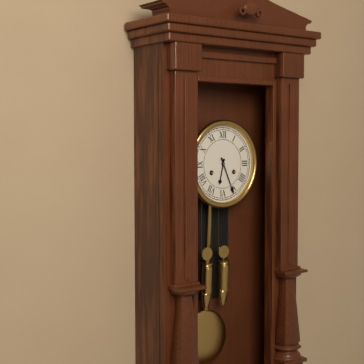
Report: **6:26**
